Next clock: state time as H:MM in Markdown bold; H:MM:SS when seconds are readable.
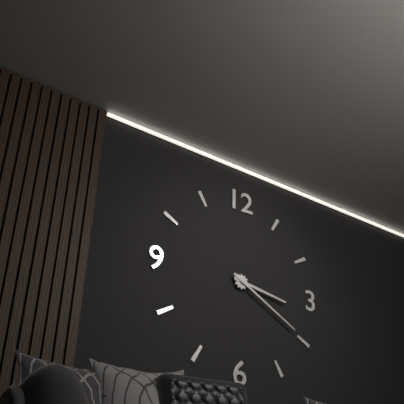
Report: **3:20**
